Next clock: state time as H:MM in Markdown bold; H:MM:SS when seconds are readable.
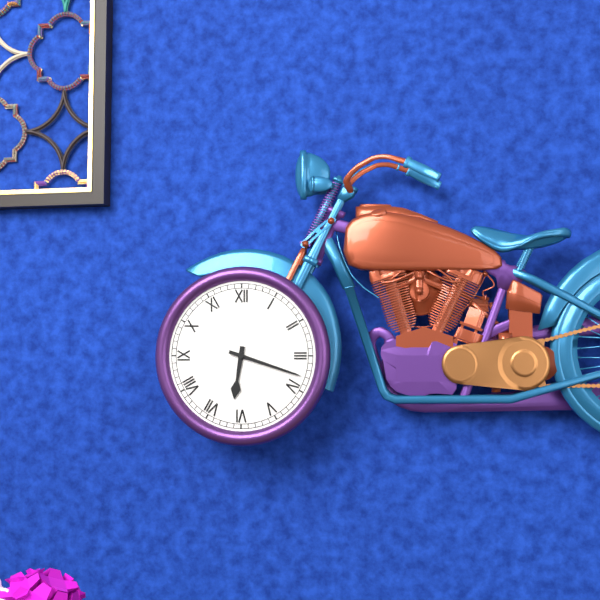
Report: **6:18**
